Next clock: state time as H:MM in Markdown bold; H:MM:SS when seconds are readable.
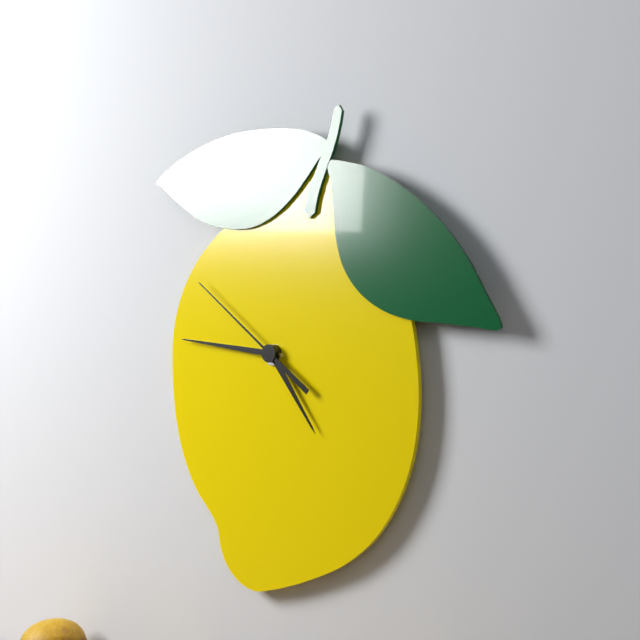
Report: **4:46:51**
